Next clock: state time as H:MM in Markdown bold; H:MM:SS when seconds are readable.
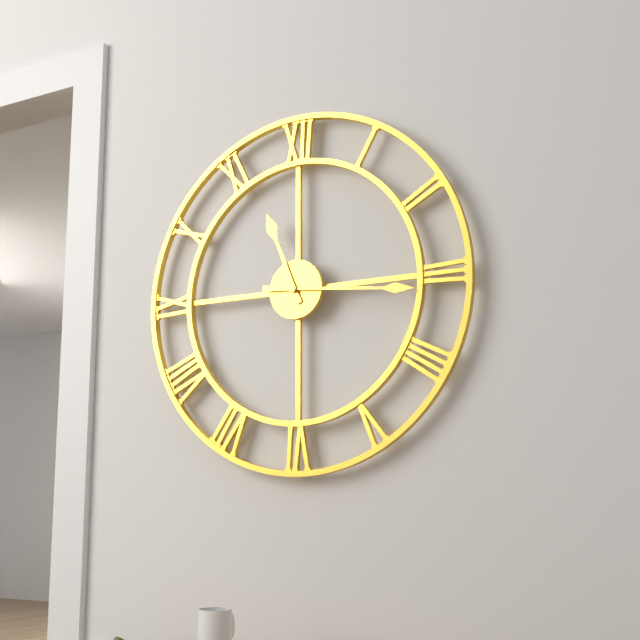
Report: **11:16**
